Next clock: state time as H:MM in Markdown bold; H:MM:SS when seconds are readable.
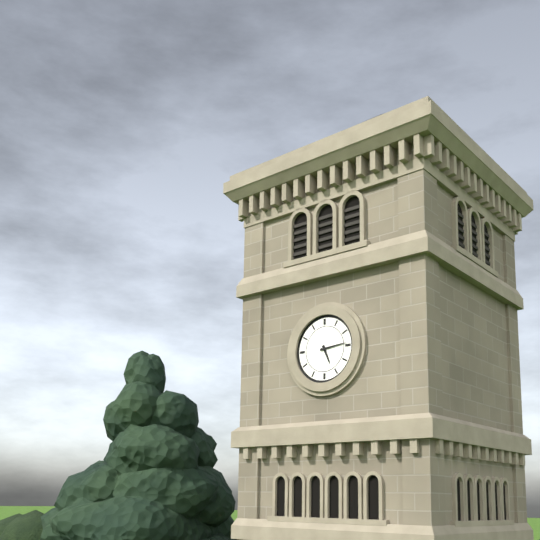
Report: **5:14**
